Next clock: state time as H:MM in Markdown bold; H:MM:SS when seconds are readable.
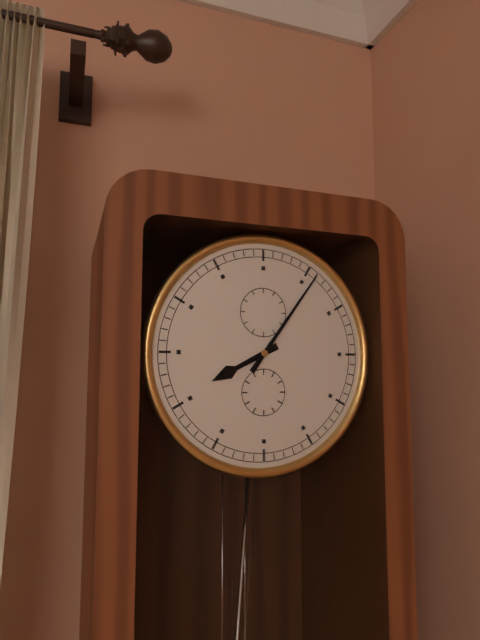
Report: **8:06**
